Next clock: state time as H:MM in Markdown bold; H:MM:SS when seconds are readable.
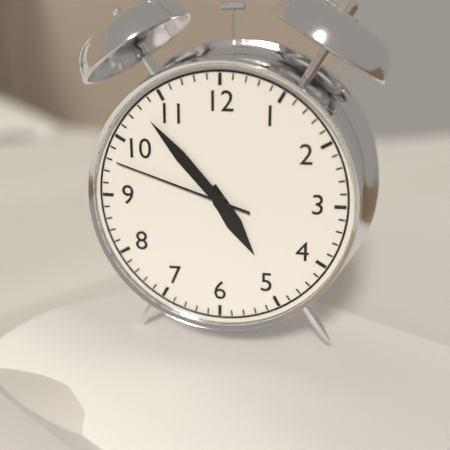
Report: **4:53:48**
